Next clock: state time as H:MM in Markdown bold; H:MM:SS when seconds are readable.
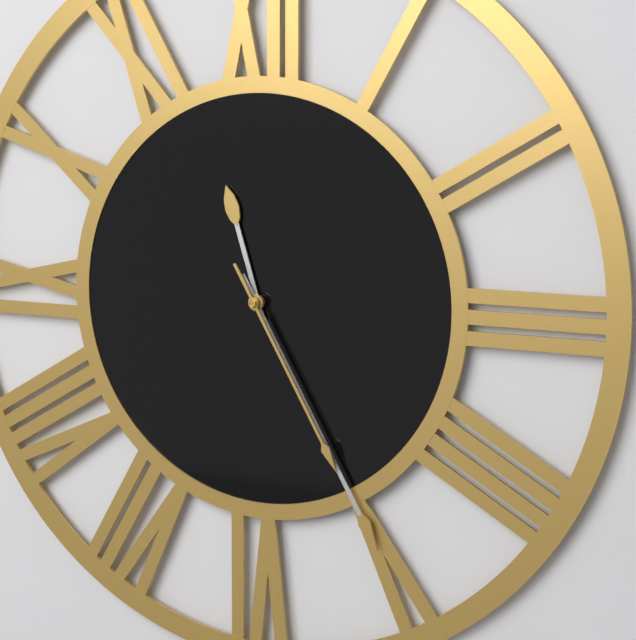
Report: **11:25:25**
